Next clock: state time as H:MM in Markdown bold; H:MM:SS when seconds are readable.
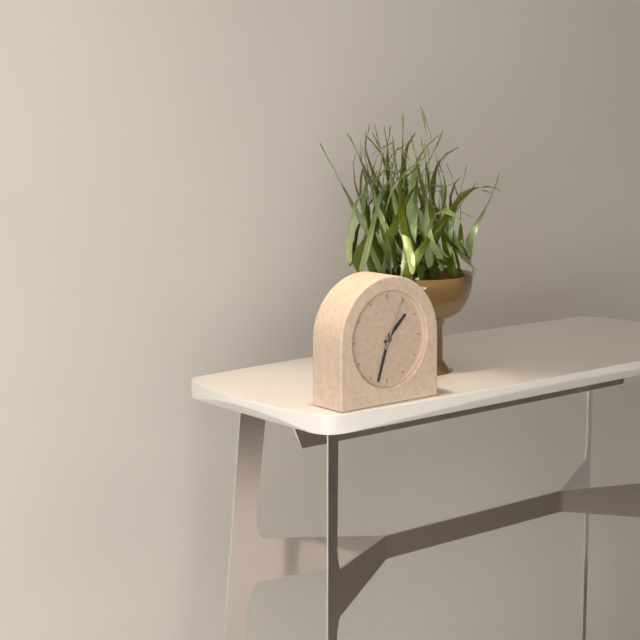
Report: **1:33:04**
